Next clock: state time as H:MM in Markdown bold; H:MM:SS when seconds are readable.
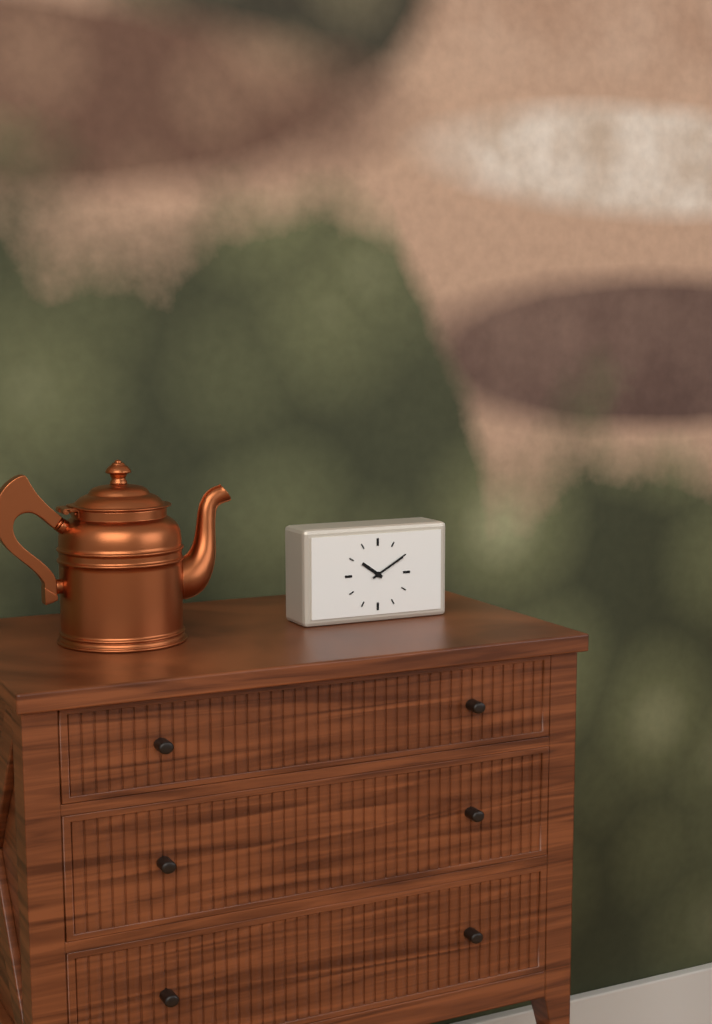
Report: **10:10**
